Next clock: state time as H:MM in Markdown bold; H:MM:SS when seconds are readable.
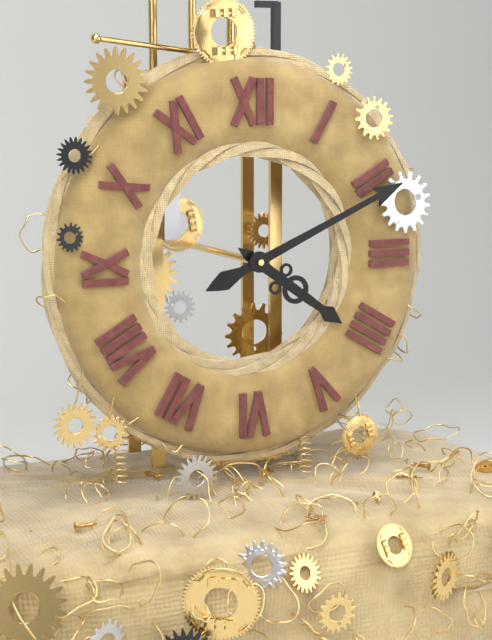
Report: **4:11**
